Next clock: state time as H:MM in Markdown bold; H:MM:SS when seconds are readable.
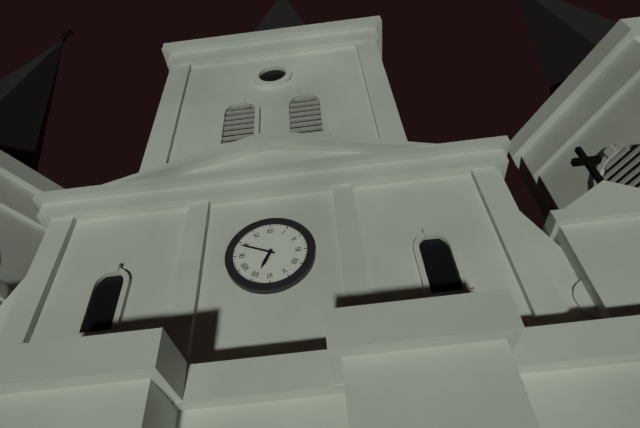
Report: **6:49**
